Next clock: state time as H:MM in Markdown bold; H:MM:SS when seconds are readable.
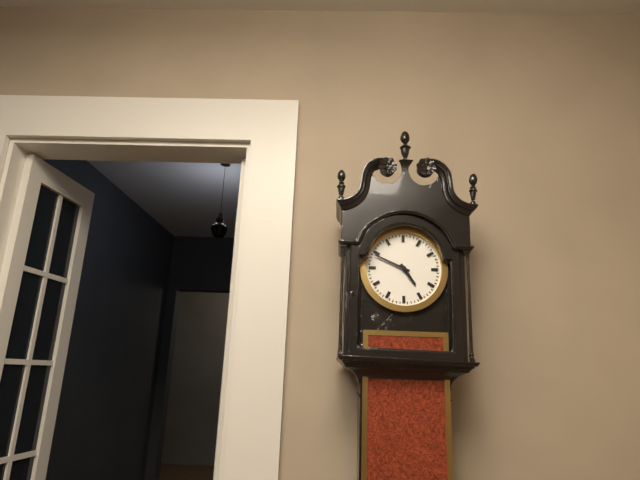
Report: **4:49**
